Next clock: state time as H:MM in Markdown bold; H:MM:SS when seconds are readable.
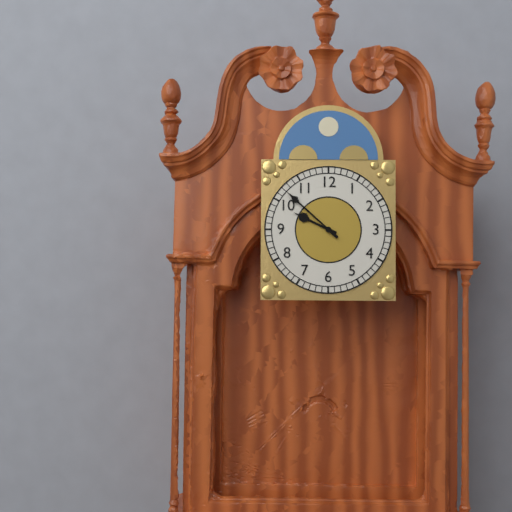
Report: **9:52**
